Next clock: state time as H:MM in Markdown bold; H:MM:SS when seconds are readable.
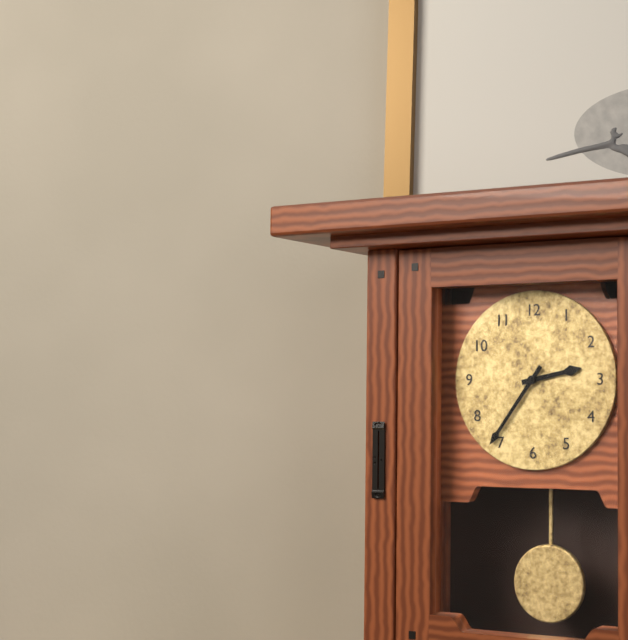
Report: **2:36**
